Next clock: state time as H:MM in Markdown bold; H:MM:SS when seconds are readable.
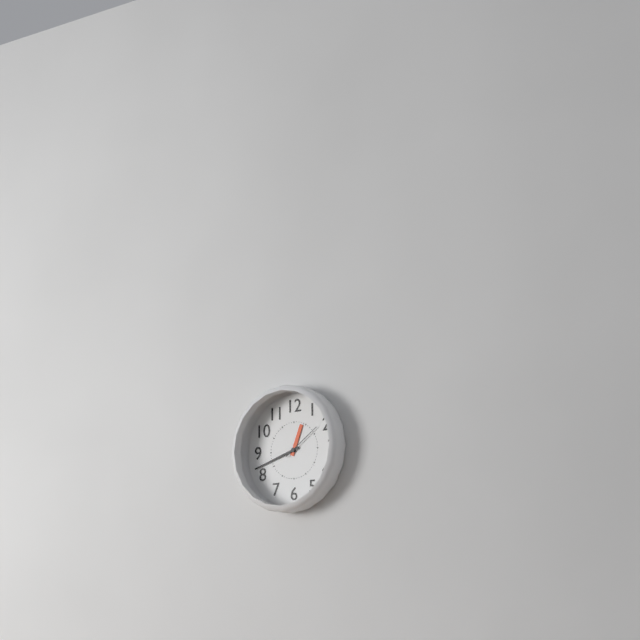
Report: **12:42**
